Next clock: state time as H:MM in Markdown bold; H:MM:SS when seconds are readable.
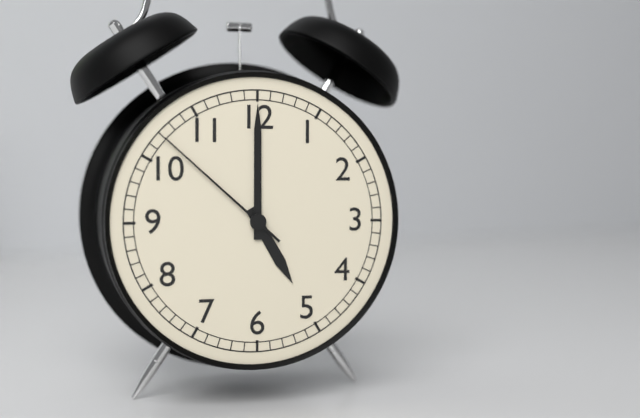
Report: **5:00:52**
